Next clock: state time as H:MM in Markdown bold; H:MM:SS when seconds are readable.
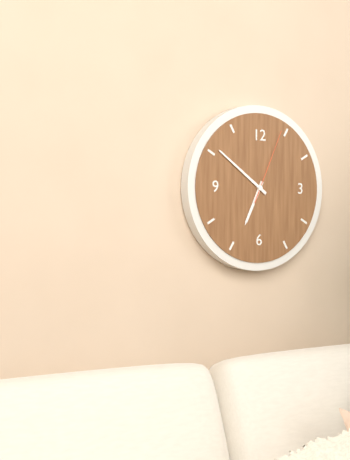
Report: **6:51:04**
